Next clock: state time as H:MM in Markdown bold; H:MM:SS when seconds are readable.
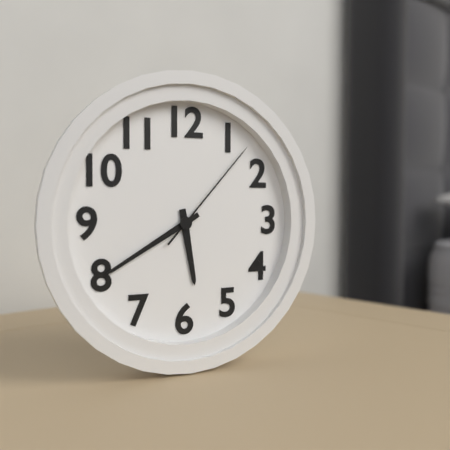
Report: **5:40:07**
